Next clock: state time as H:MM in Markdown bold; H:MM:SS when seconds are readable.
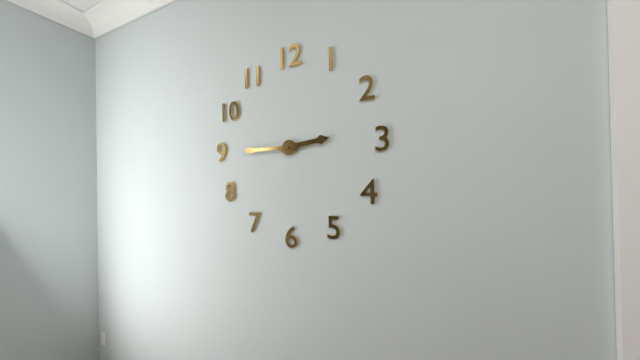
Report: **2:45**
